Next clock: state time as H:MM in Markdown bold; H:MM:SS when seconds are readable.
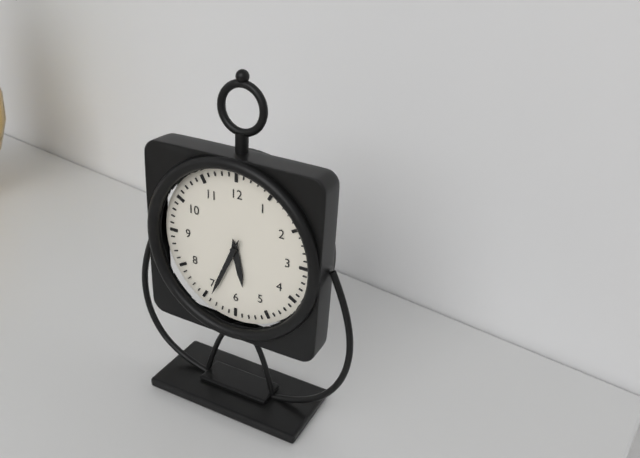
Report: **5:34**
